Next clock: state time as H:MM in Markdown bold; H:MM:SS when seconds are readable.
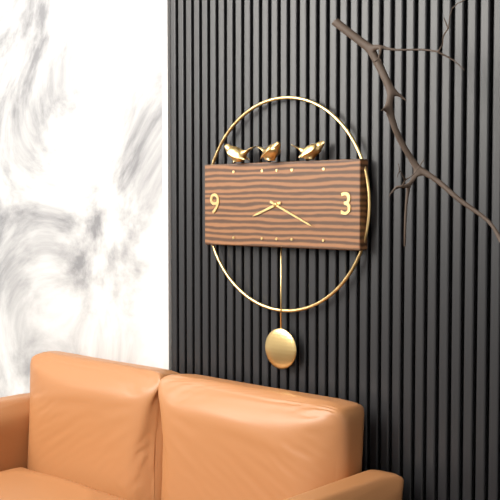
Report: **8:19**
